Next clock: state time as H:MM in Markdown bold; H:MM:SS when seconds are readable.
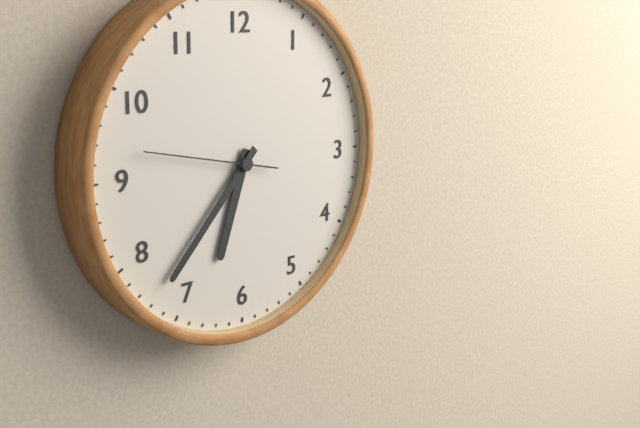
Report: **6:37:47**
